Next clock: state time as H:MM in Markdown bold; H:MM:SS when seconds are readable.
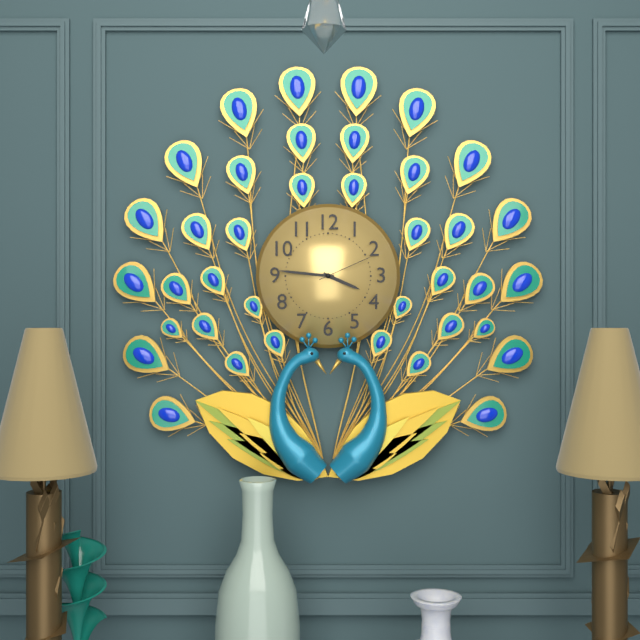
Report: **3:46:11**
